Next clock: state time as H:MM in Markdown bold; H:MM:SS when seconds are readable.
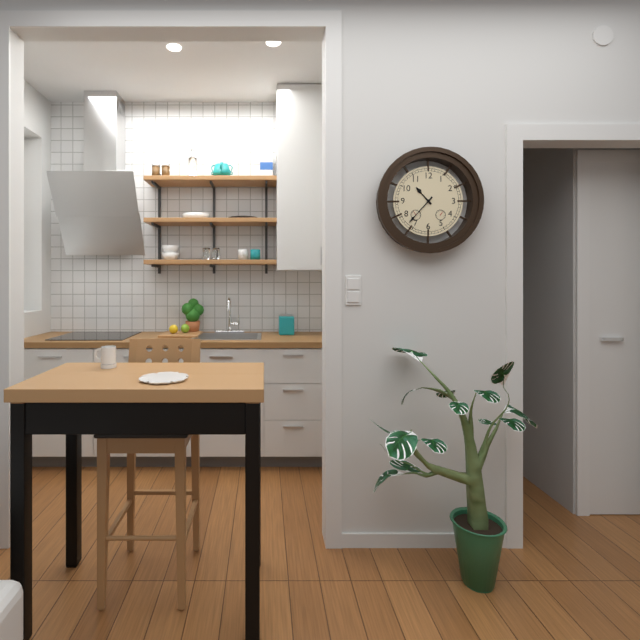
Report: **10:37**
